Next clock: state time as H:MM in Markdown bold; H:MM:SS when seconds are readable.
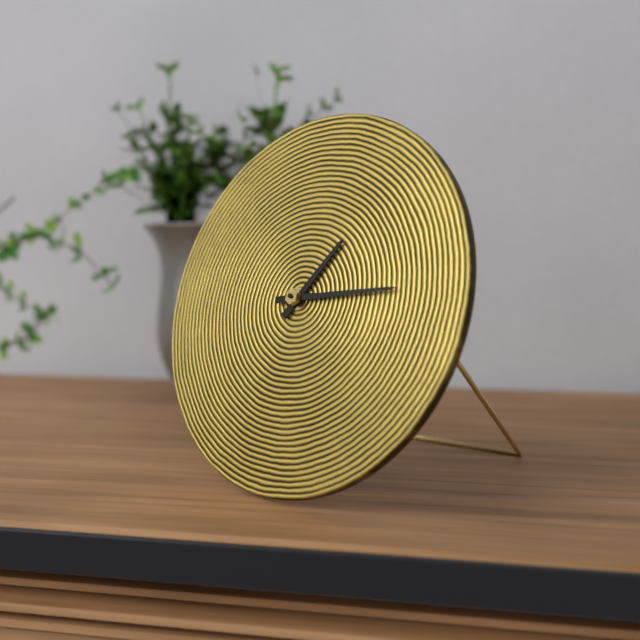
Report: **1:14**
